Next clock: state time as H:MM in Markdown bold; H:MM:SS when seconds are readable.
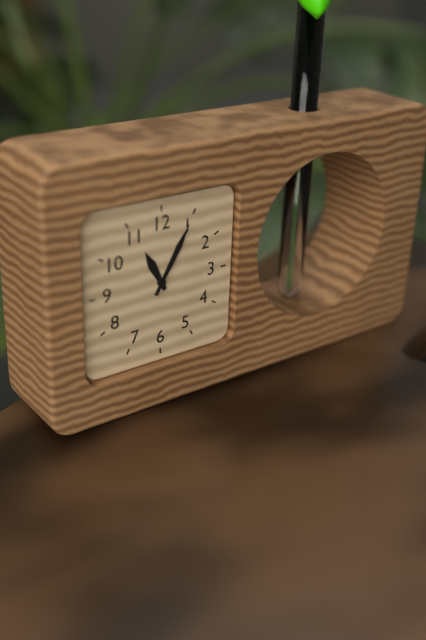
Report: **11:05**
